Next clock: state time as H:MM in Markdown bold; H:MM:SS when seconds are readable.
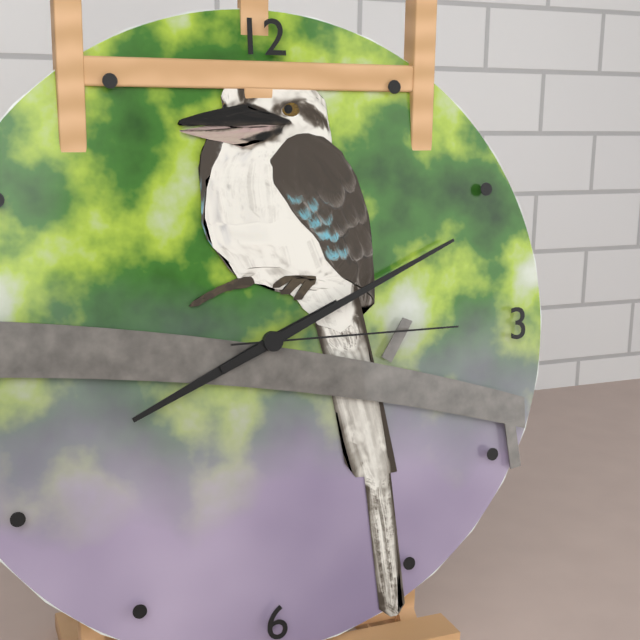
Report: **8:11:15**
